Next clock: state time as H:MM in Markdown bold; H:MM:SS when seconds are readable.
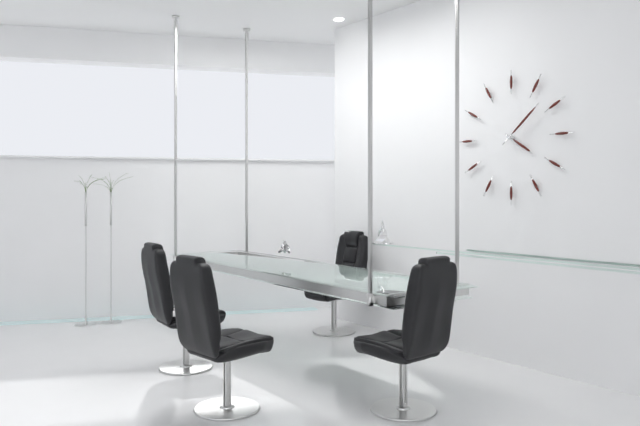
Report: **4:08**
